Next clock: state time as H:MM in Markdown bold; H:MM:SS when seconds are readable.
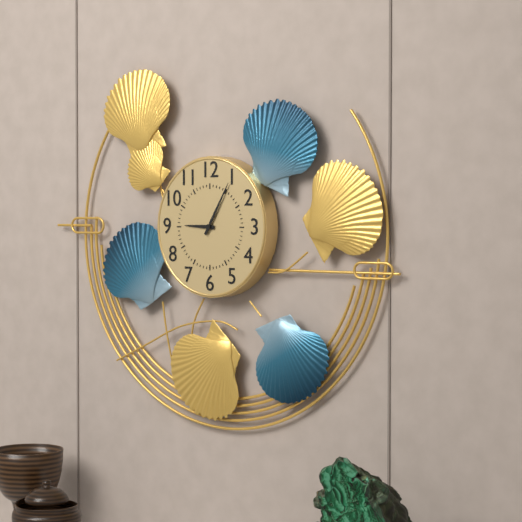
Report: **9:05**
